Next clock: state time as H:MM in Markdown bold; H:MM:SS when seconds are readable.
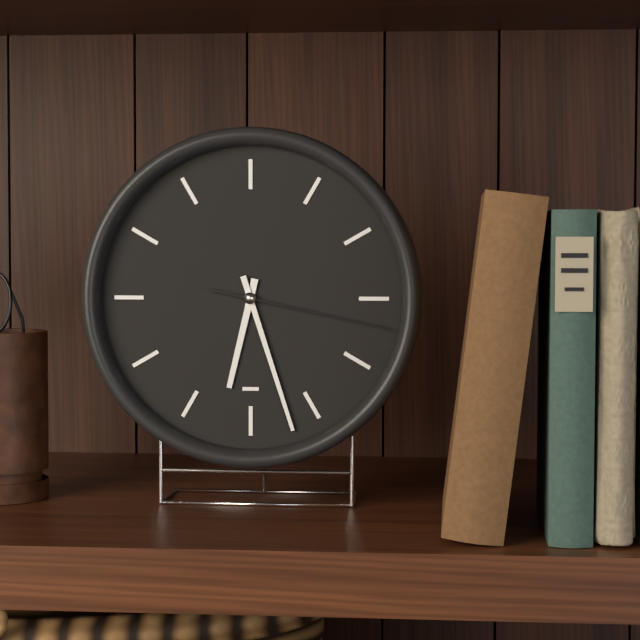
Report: **6:27:17**
